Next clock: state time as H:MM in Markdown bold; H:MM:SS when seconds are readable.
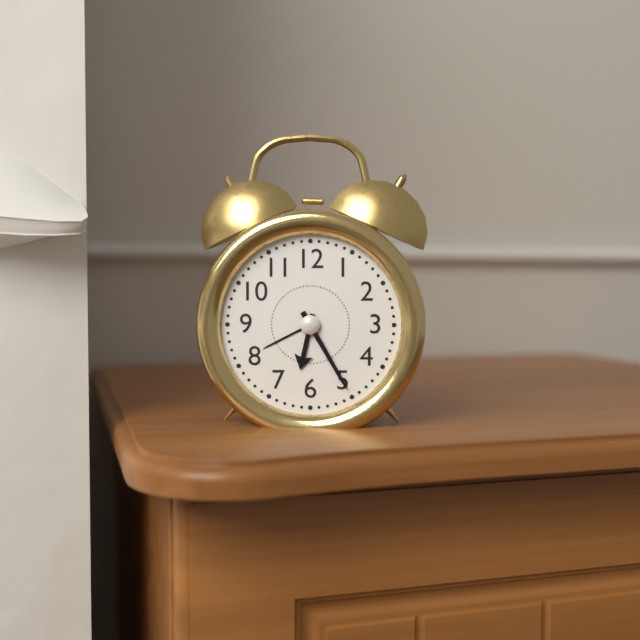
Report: **6:25**
